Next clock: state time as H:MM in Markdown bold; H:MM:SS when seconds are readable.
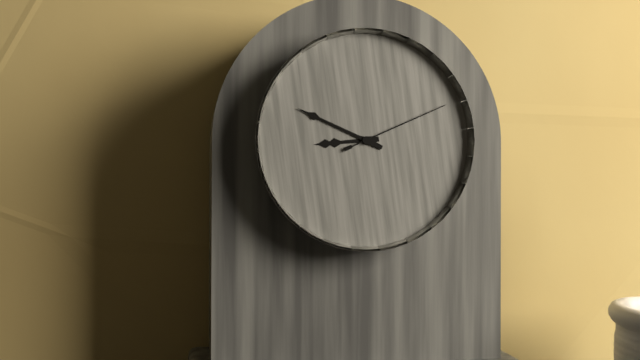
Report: **8:49:11**
